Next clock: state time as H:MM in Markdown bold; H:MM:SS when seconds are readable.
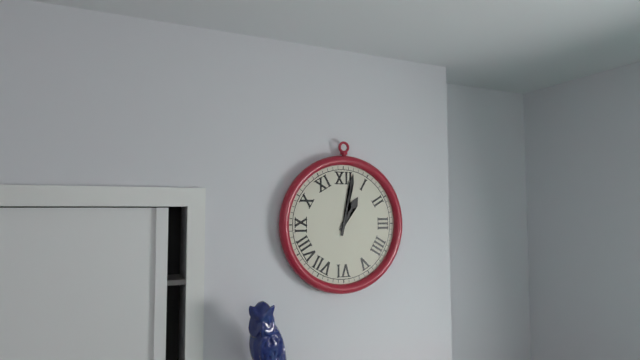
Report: **1:02**
